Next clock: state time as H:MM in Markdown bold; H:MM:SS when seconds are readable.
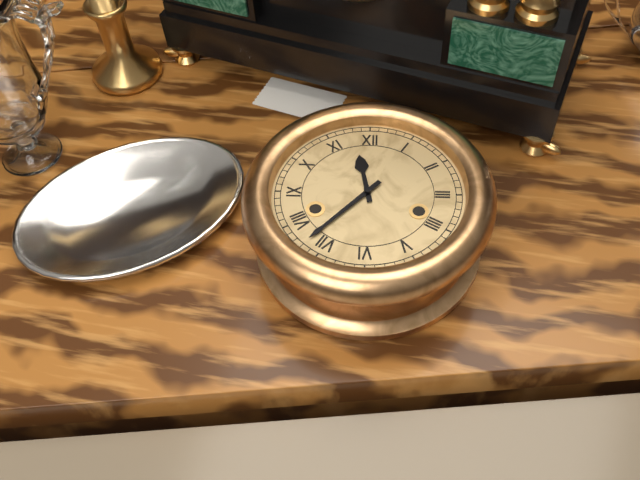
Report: **11:37**
